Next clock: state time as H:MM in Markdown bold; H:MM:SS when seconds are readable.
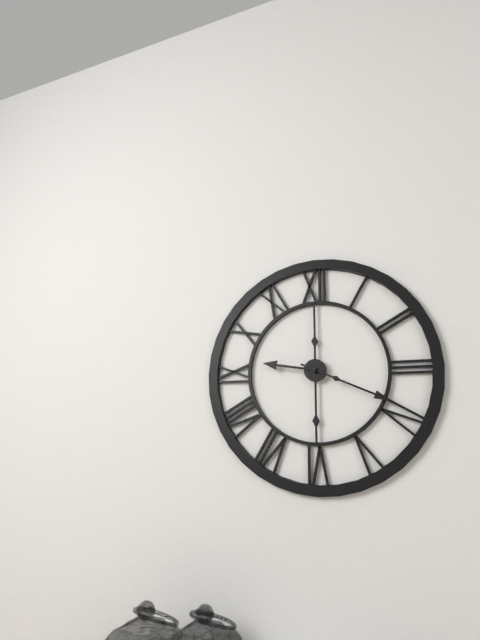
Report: **9:19**
